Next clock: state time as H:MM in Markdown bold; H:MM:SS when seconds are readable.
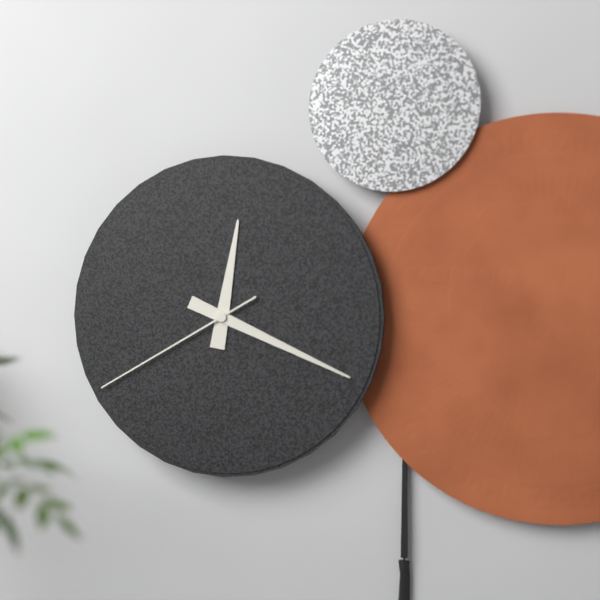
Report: **12:19:40**
